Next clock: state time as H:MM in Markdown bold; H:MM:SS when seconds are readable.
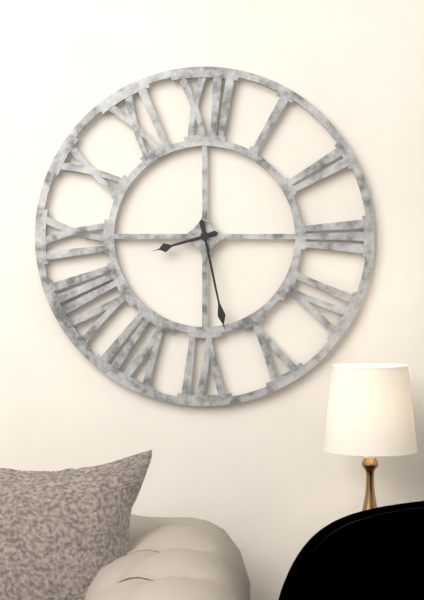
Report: **8:28**
